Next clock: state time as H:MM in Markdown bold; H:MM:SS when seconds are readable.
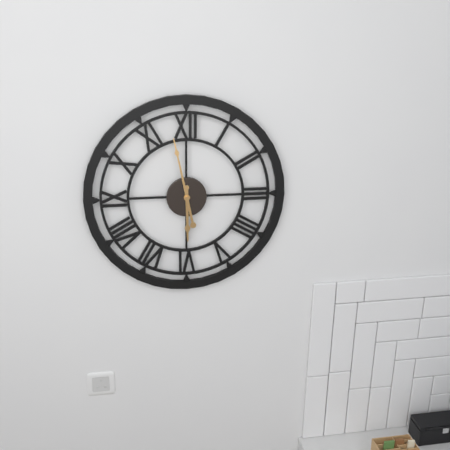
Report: **5:58**
